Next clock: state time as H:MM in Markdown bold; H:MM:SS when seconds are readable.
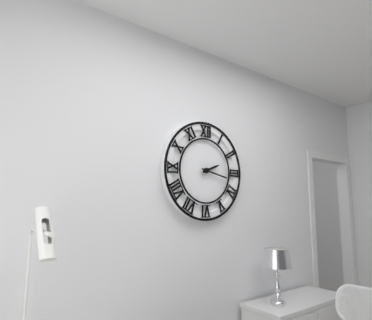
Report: **2:17**
